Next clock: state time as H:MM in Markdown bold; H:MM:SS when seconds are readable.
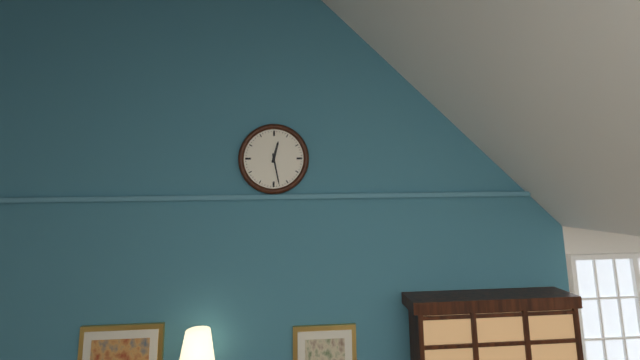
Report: **12:28**
